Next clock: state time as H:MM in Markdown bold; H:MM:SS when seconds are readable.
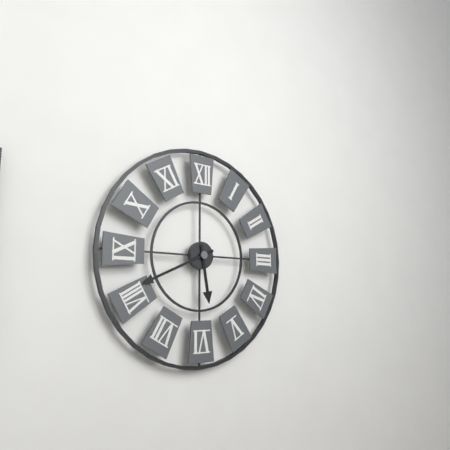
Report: **5:41**
